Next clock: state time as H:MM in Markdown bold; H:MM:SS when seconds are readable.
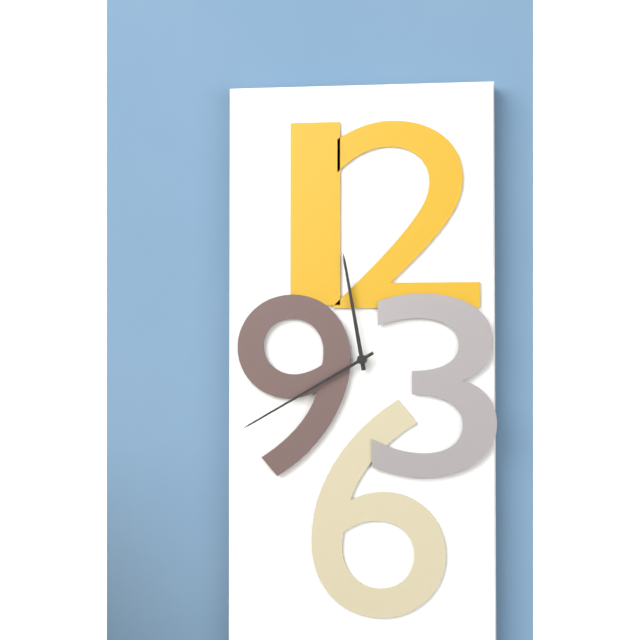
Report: **11:40**
